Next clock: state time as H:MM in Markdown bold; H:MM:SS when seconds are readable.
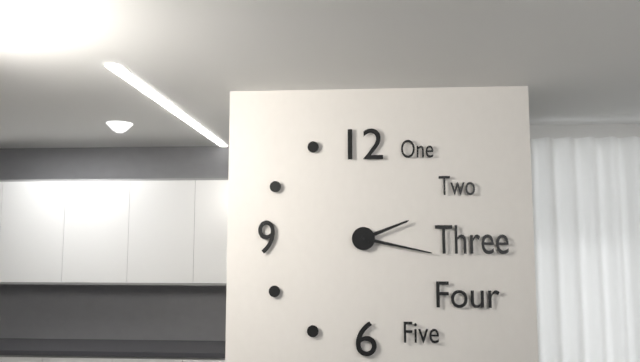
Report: **2:17**
